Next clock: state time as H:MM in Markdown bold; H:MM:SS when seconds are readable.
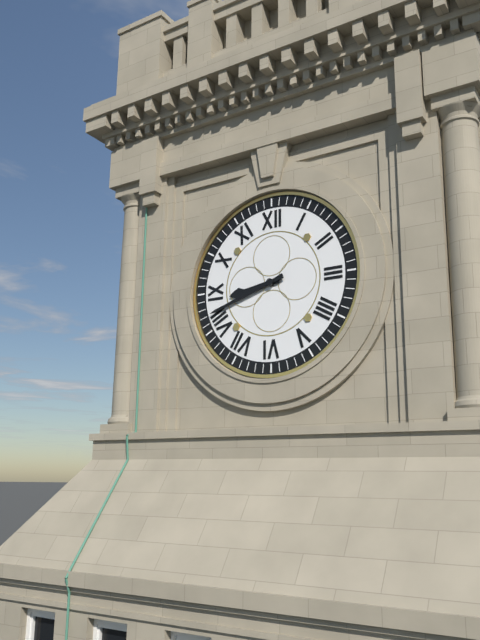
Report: **8:42**
